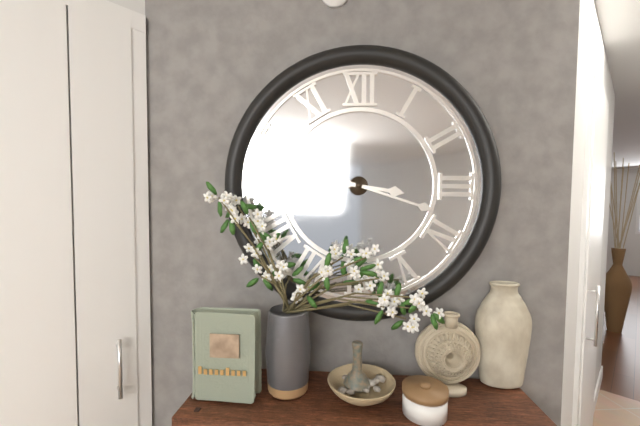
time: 3:18
